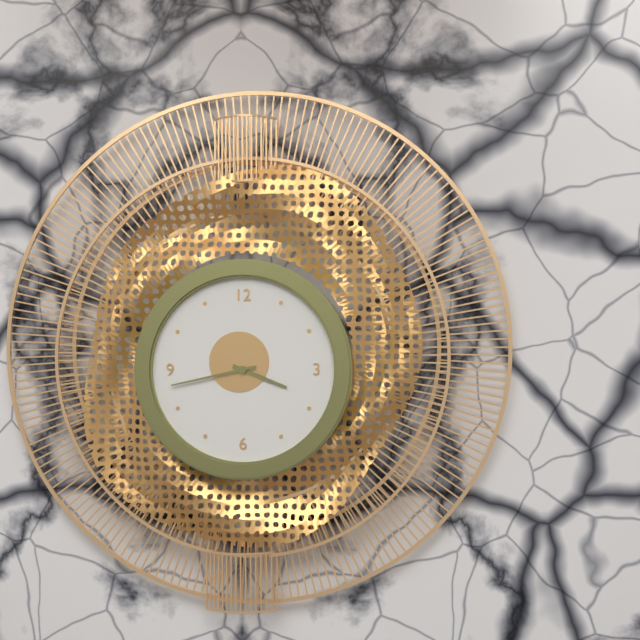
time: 3:43
